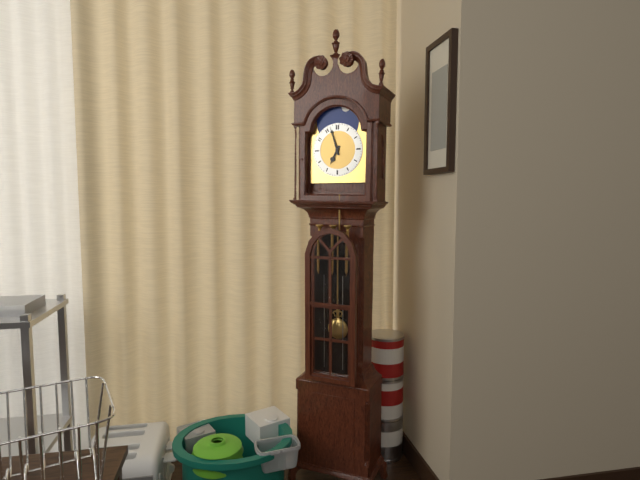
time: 6:57
